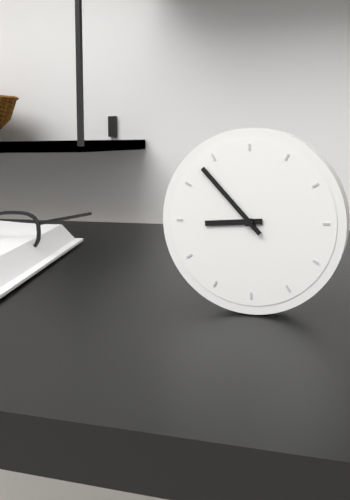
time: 8:53
